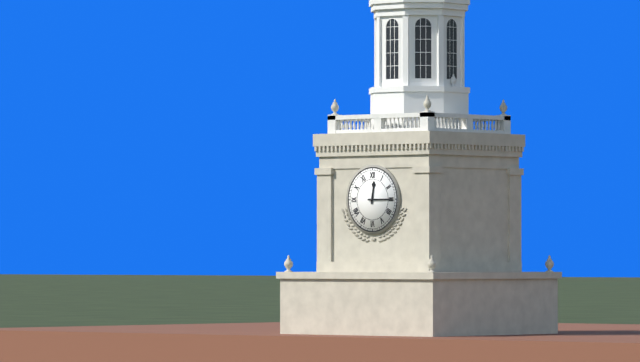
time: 12:15
